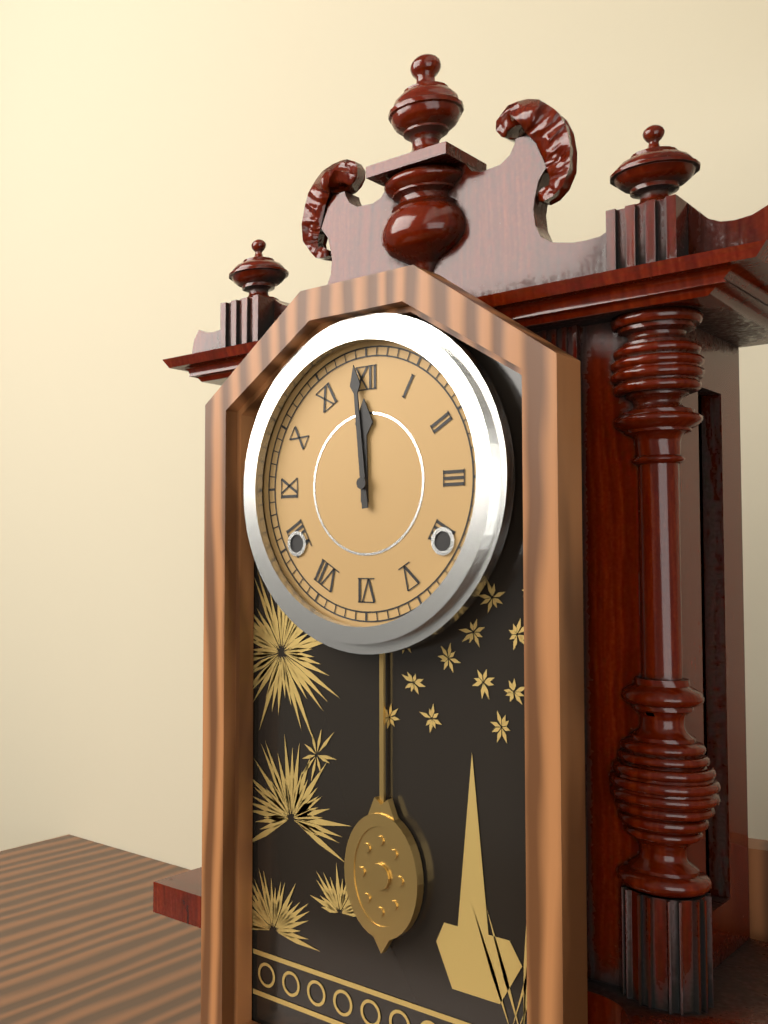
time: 11:59
